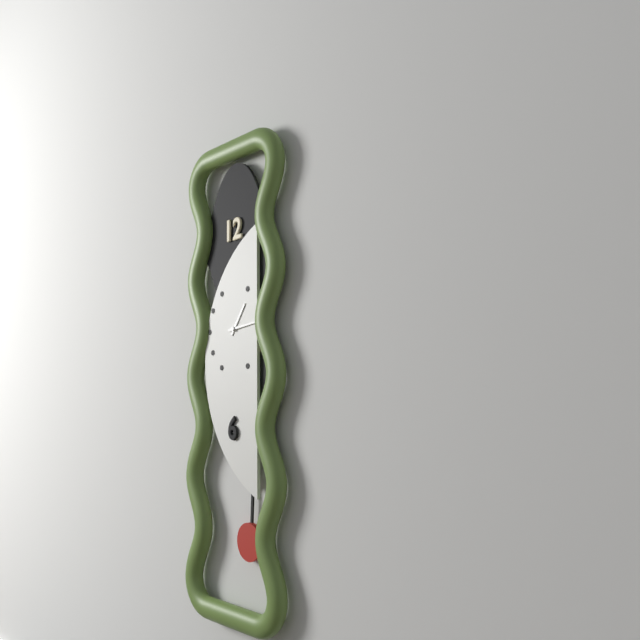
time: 1:14
